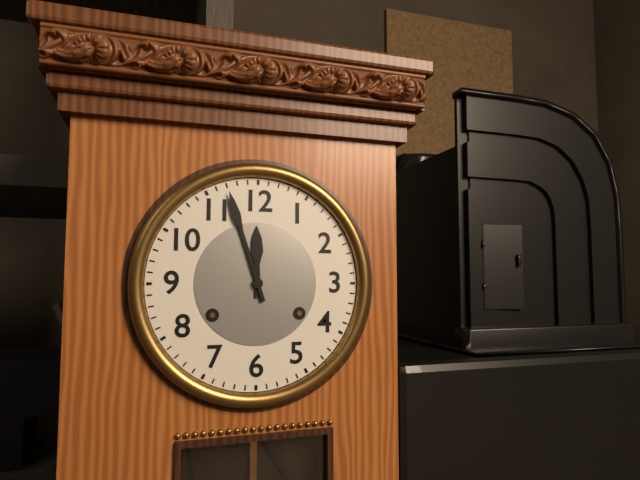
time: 11:57
